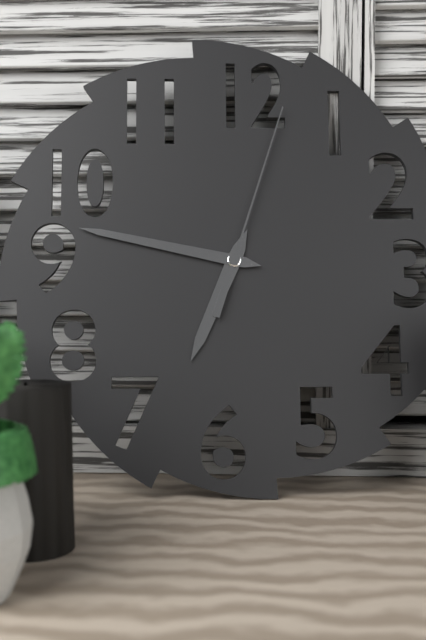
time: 6:47:03
